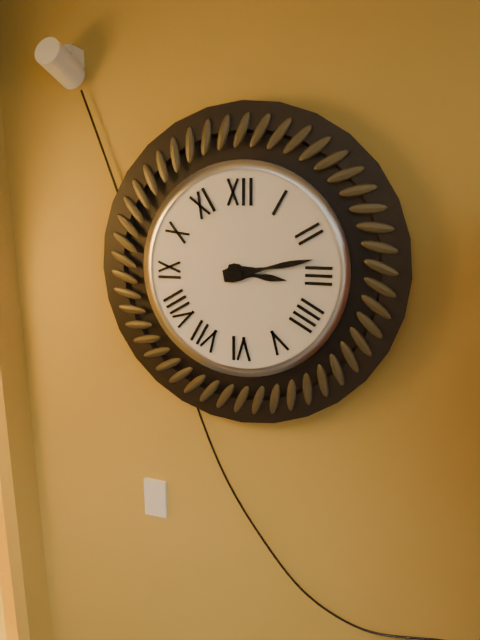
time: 3:13
